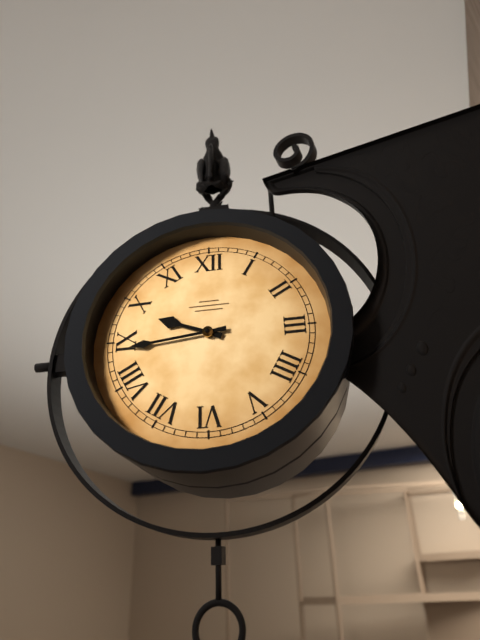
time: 9:44
